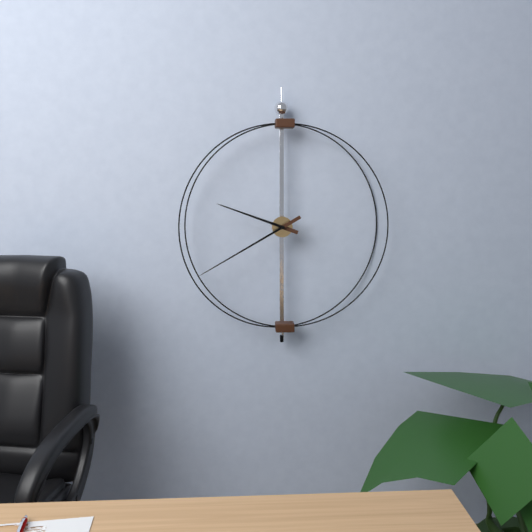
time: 9:40
